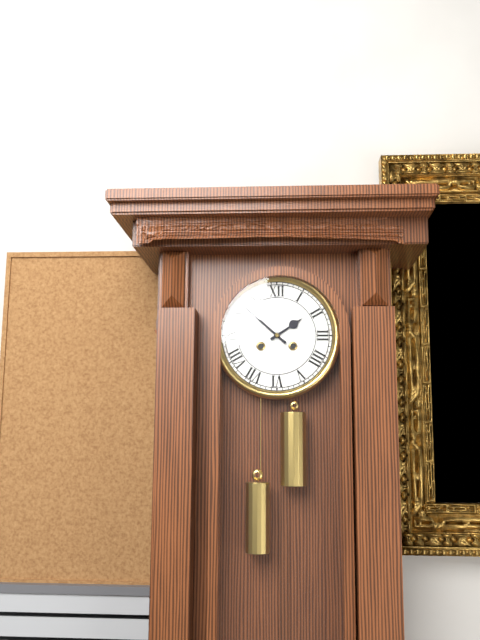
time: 1:52
